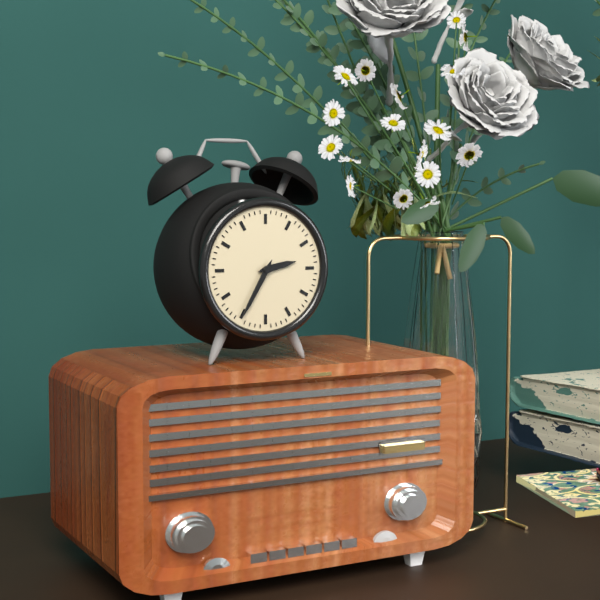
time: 2:35
